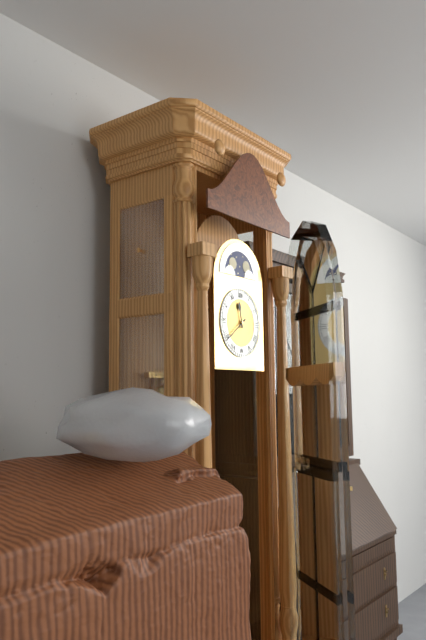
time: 11:39
